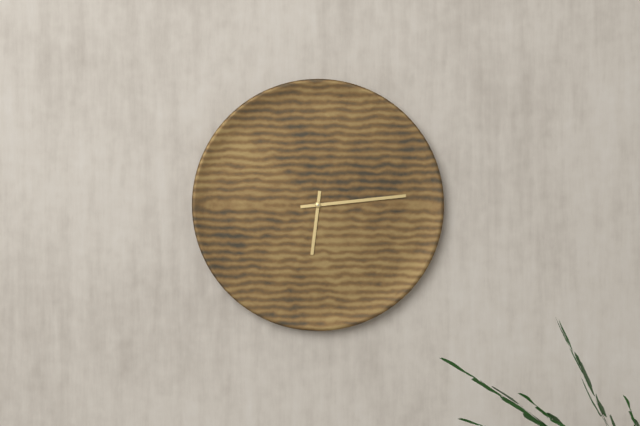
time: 6:14
